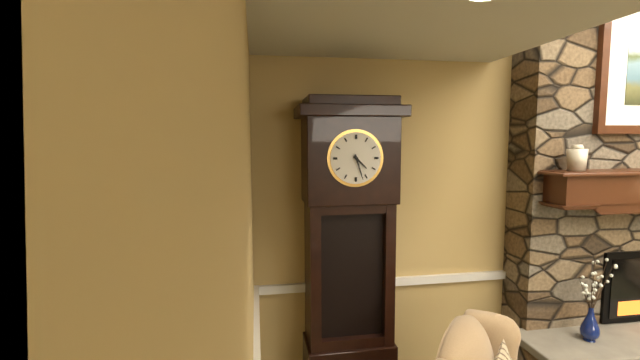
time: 4:27
